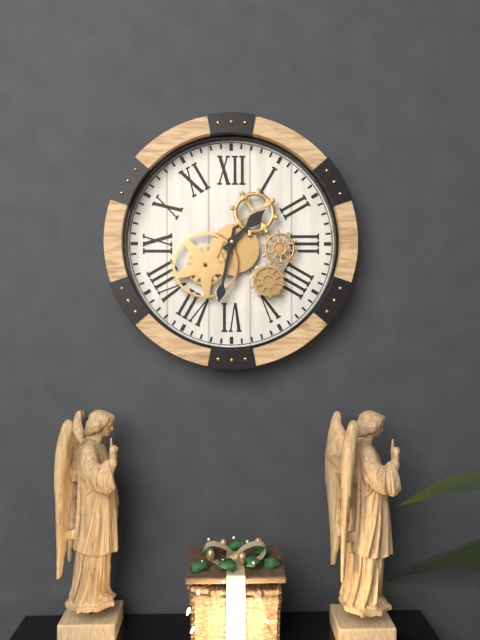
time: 1:32
